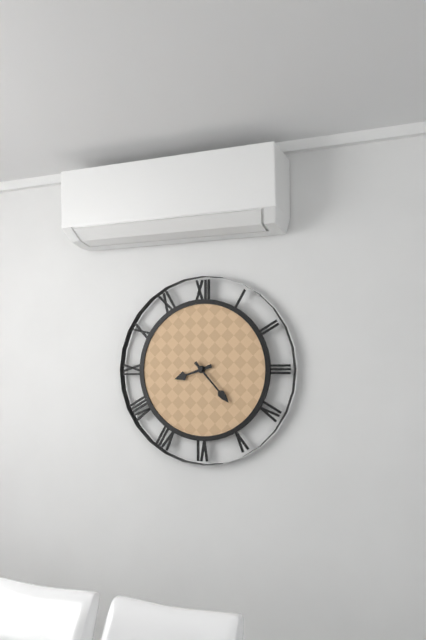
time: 8:23
